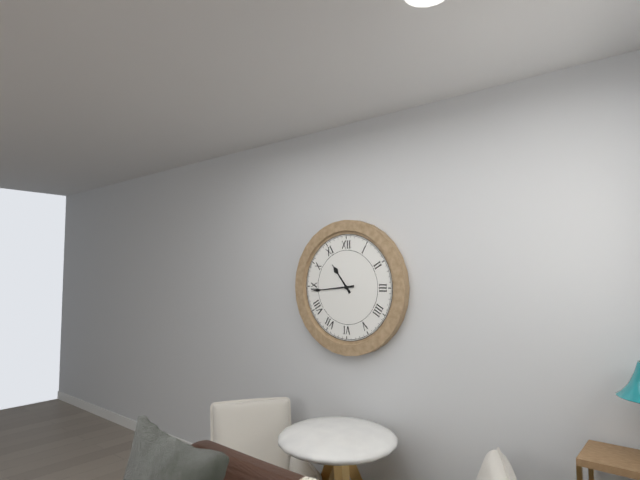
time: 10:44
